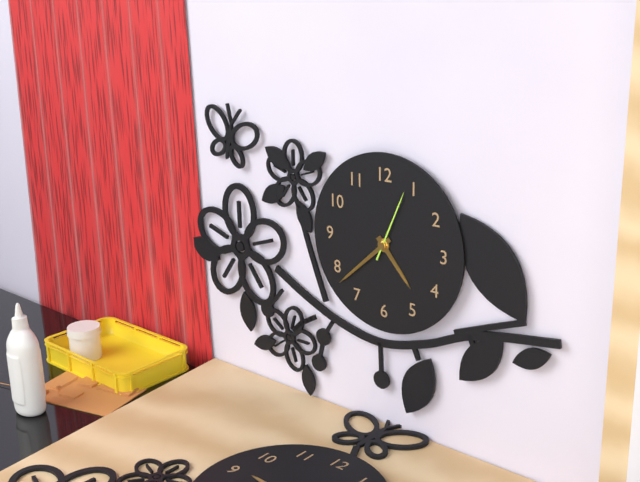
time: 4:38:04
